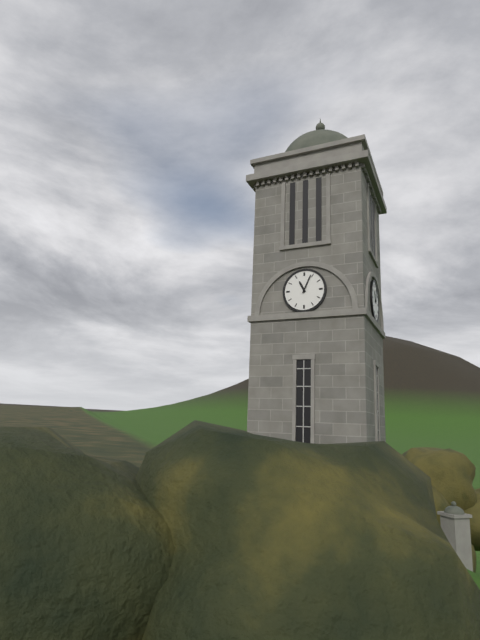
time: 11:04
